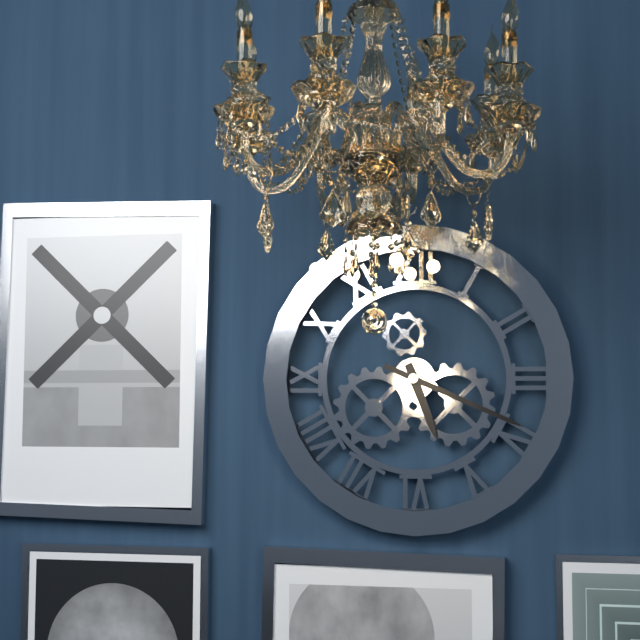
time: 5:19
